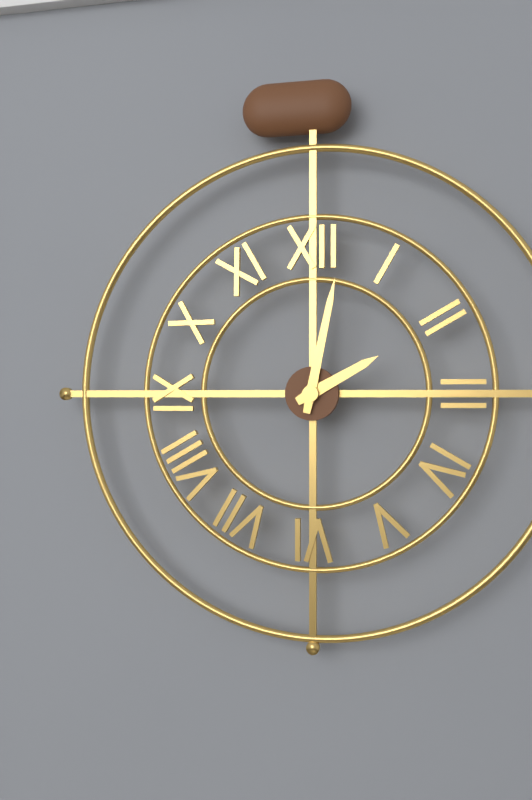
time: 2:02
